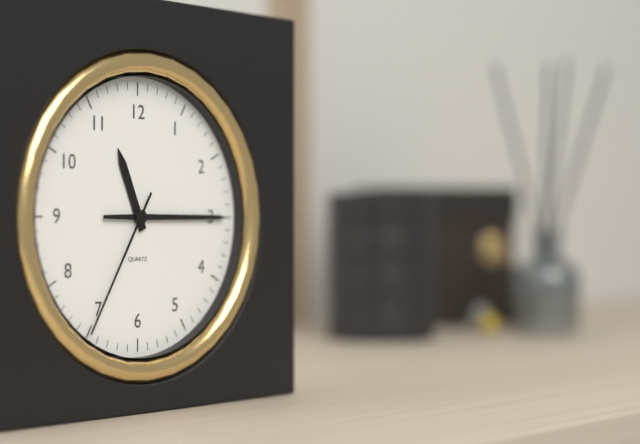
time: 11:15:35
